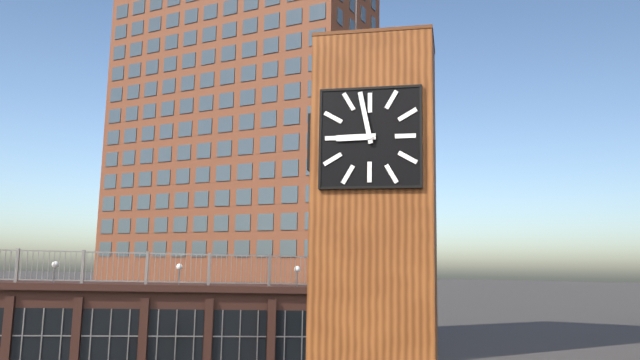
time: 8:58
